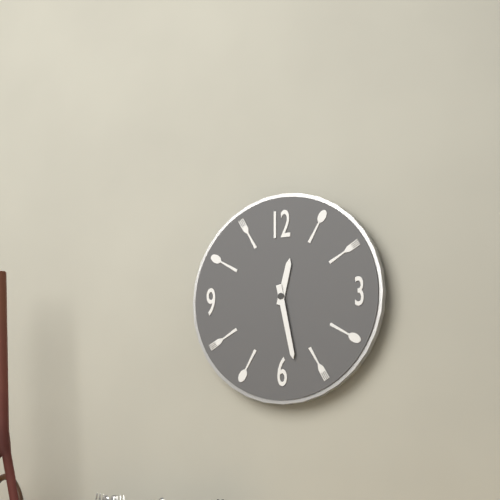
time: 12:28
